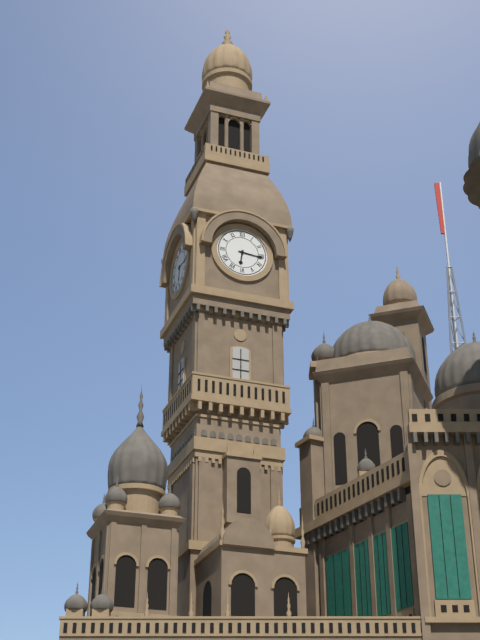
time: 6:16
